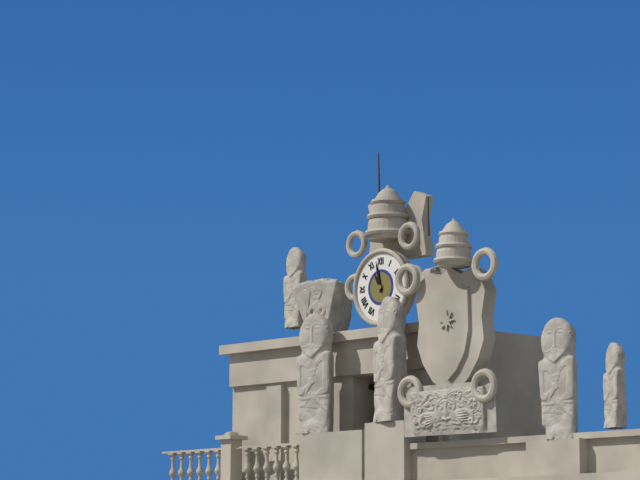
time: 10:58
